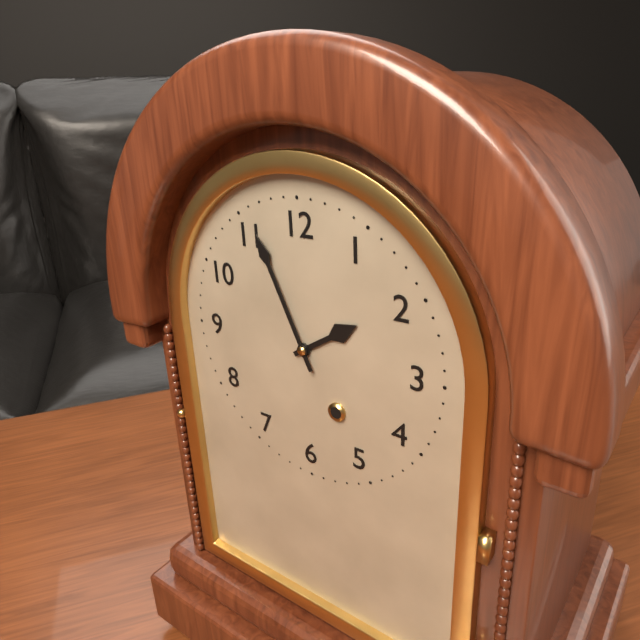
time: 1:56
